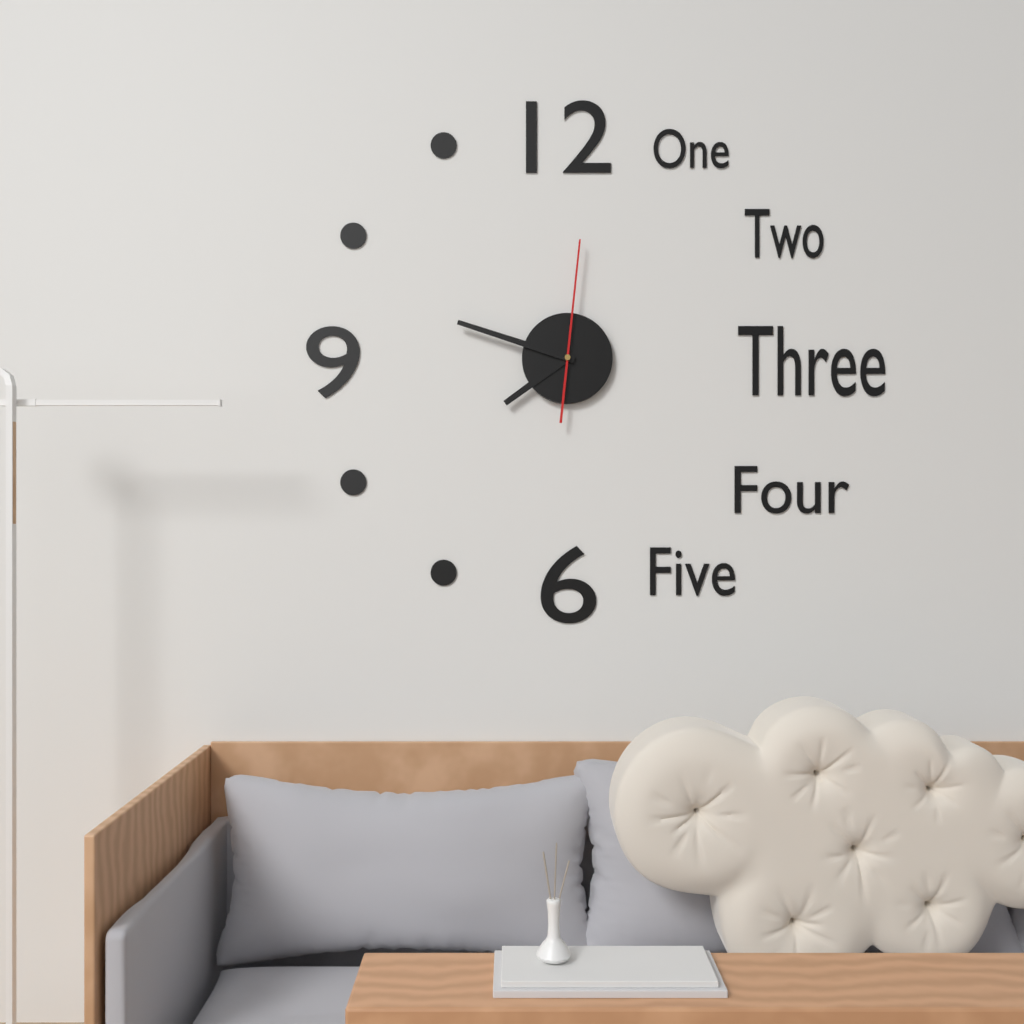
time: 7:48:01
